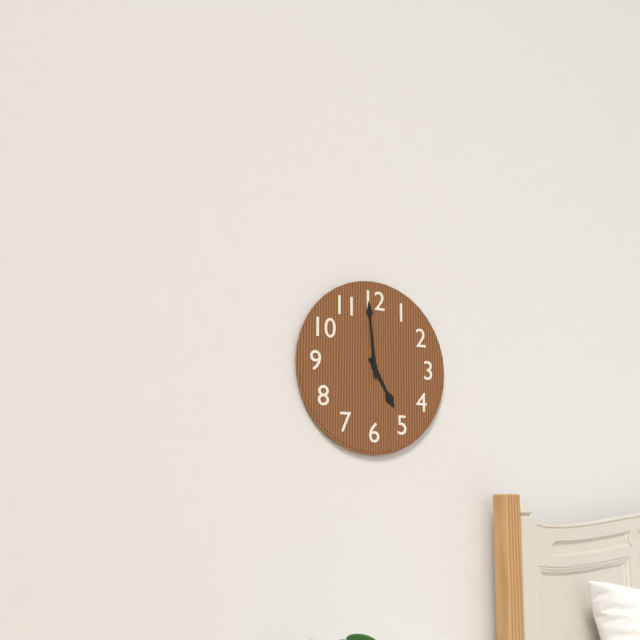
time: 4:59
